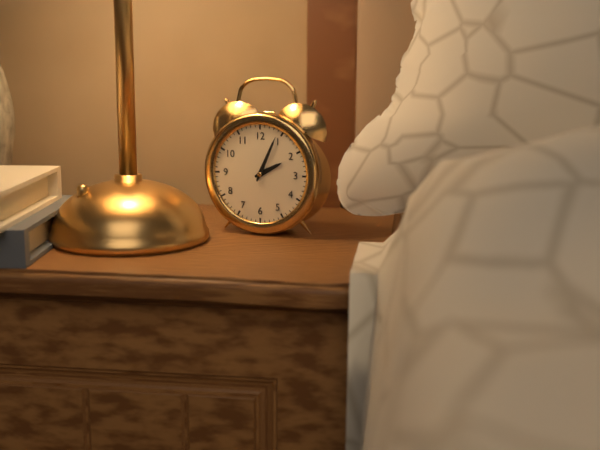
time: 2:04
